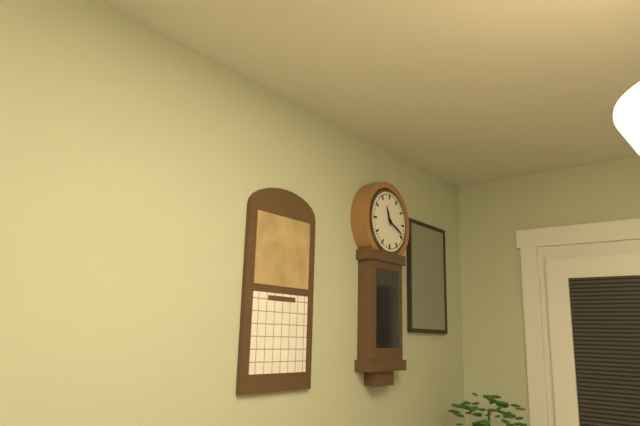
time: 11:19
